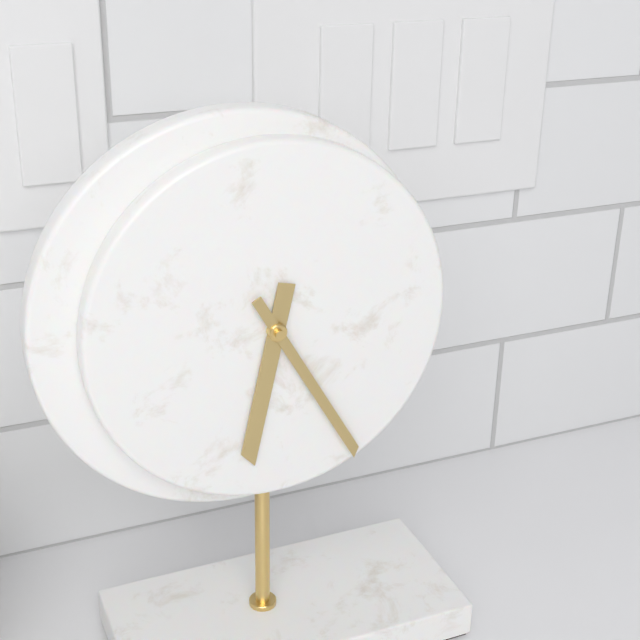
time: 6:25
